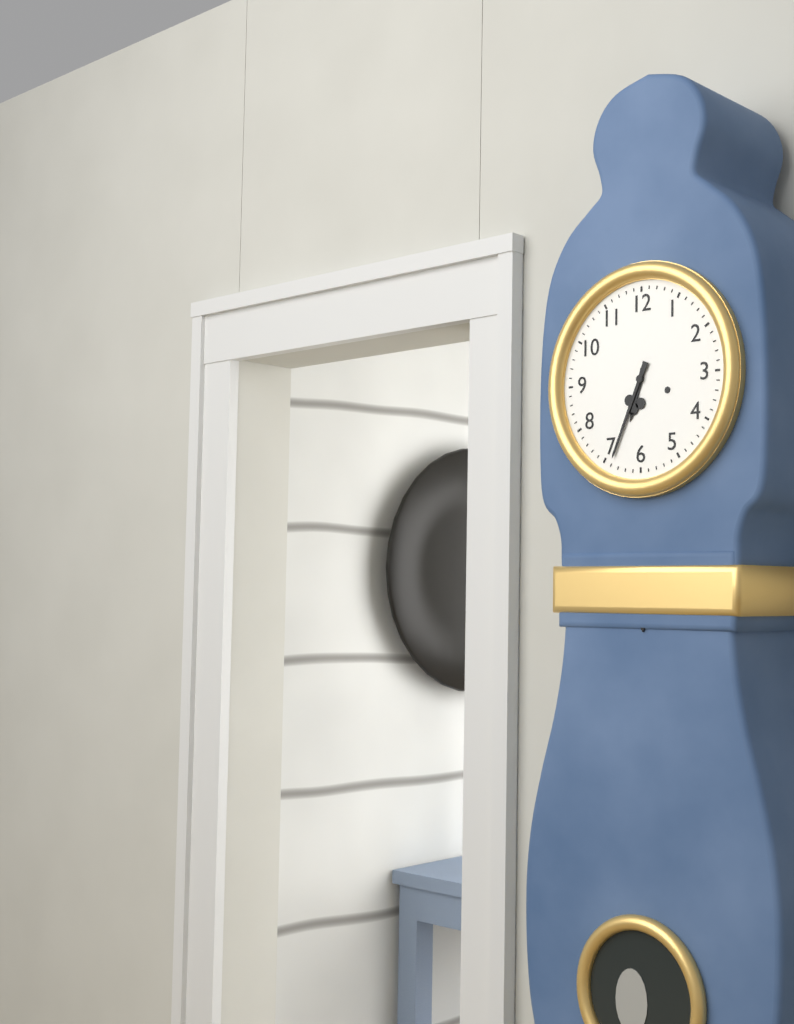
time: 6:34
